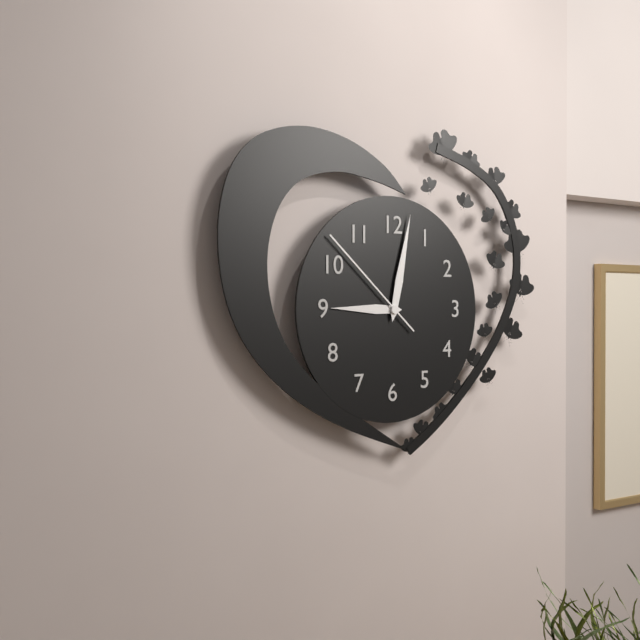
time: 9:02:52
